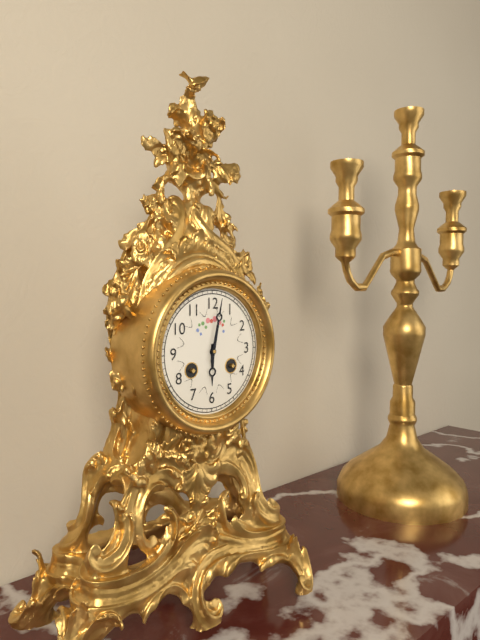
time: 6:02
